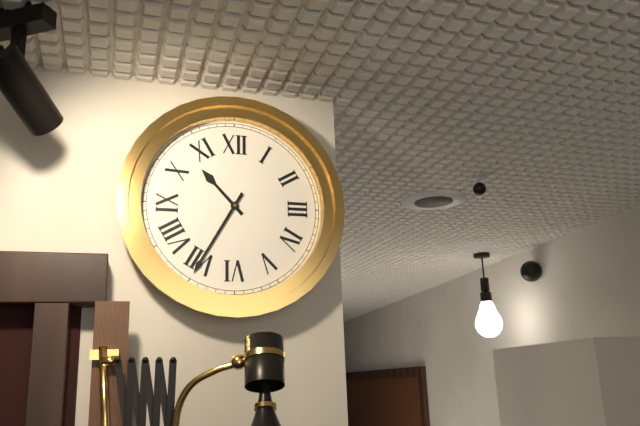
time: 10:35
